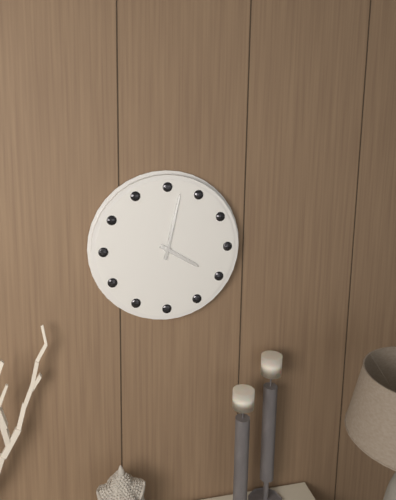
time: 4:02
